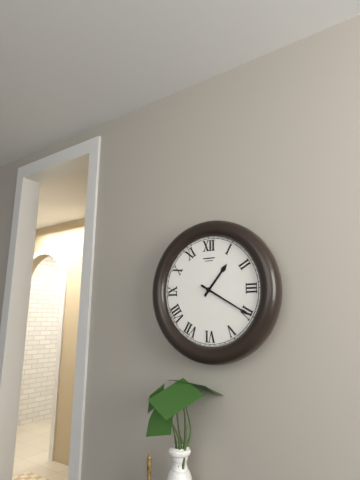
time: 1:20
